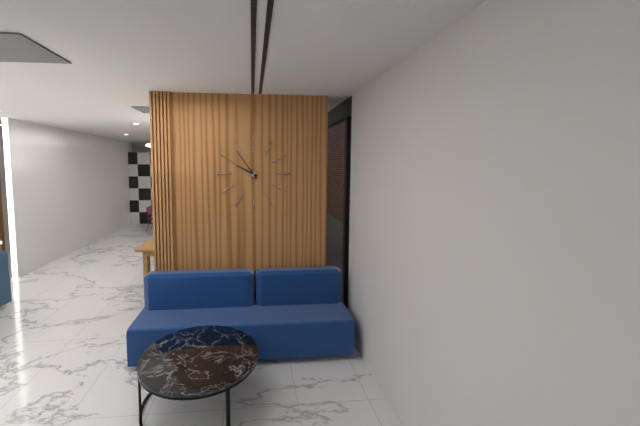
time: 9:54
